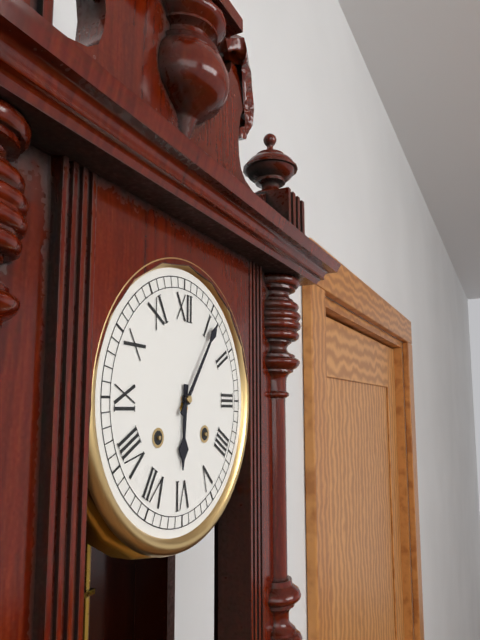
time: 6:06
